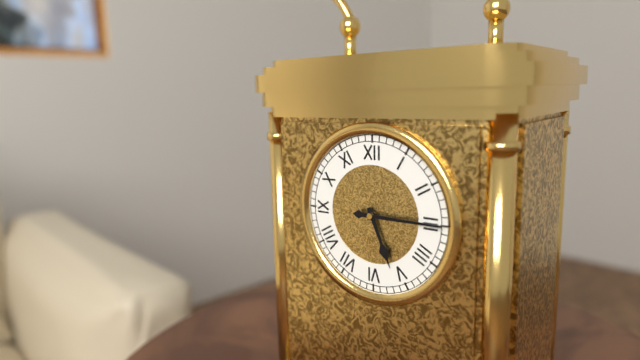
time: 5:15
